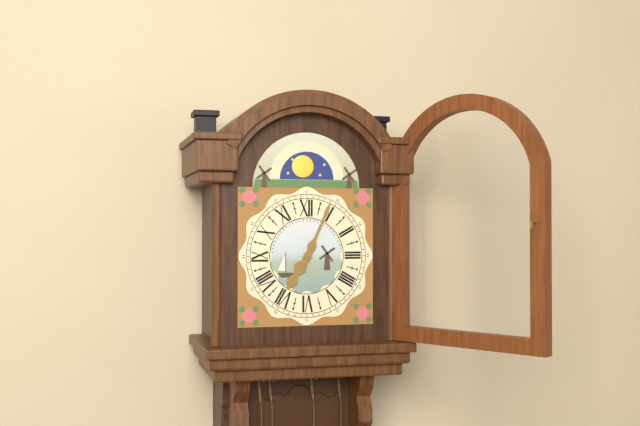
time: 7:04
